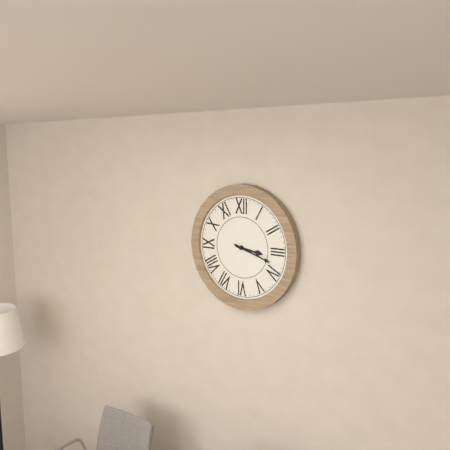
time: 3:18
